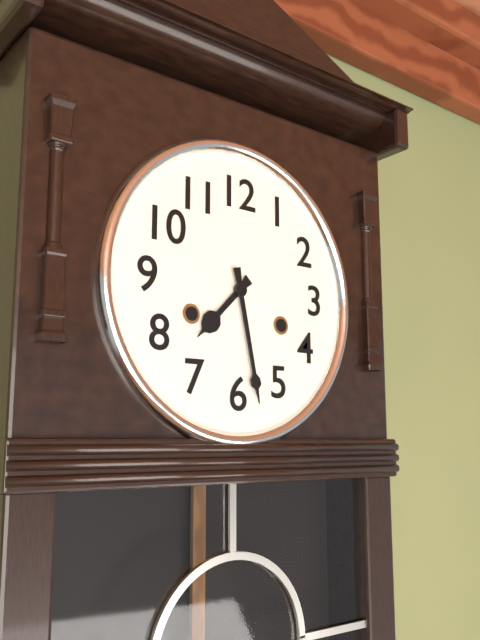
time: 7:28
